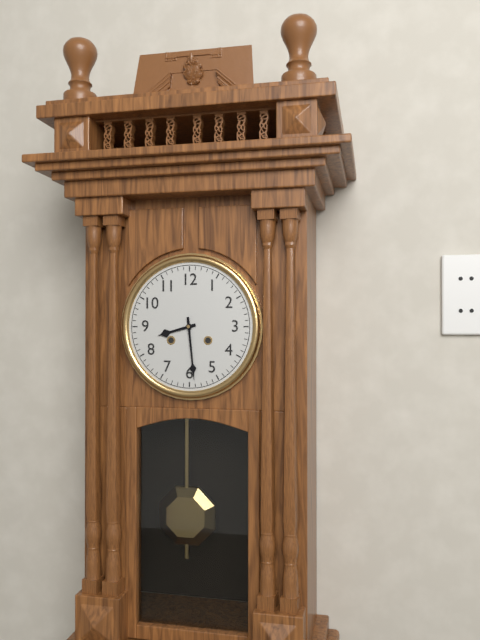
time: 8:29
